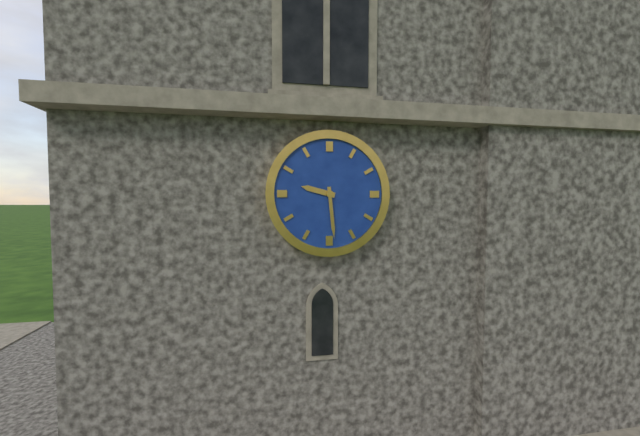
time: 9:29
